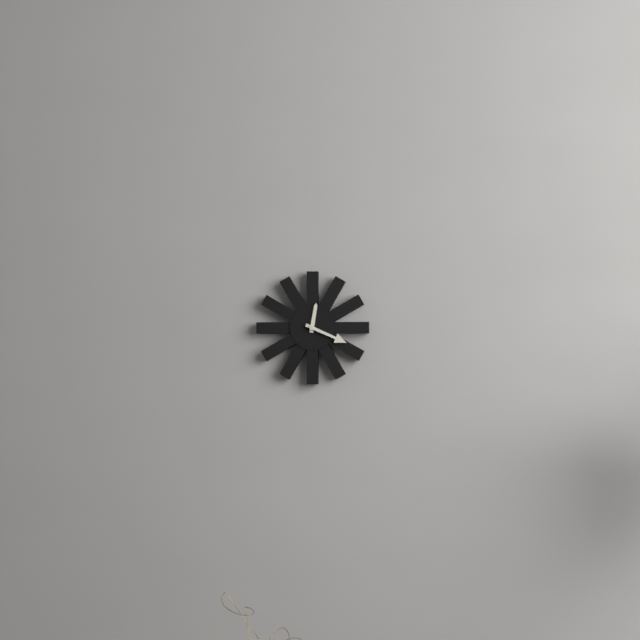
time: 12:19
